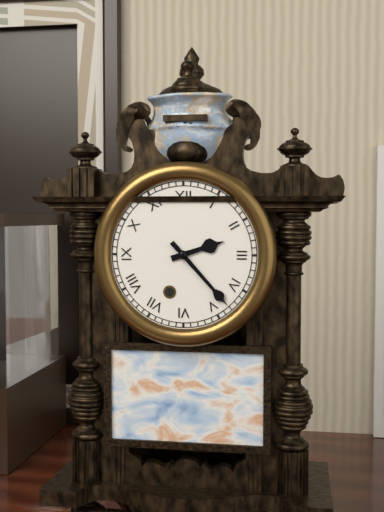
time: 2:23
